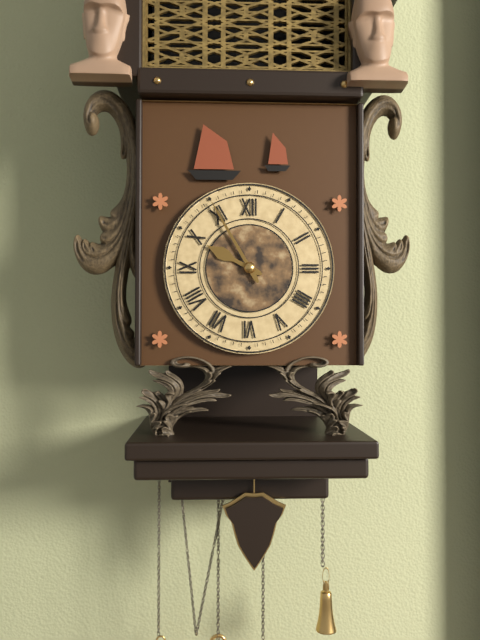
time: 9:55
